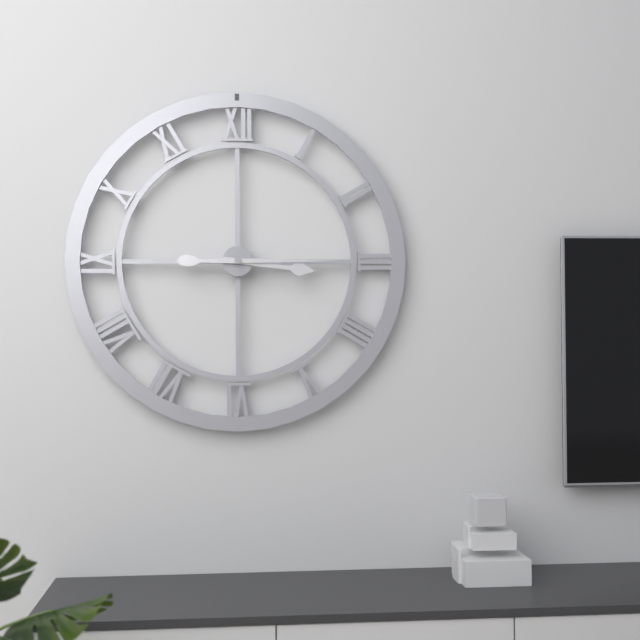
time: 3:15
